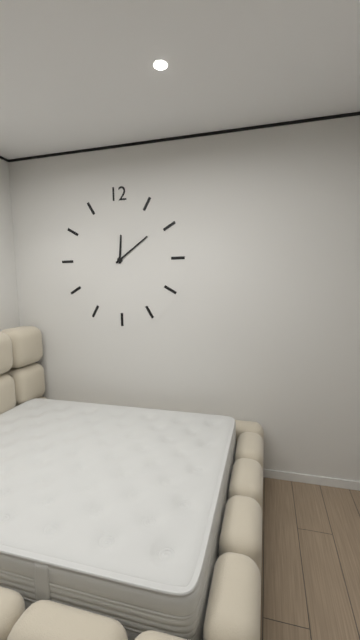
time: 12:09
